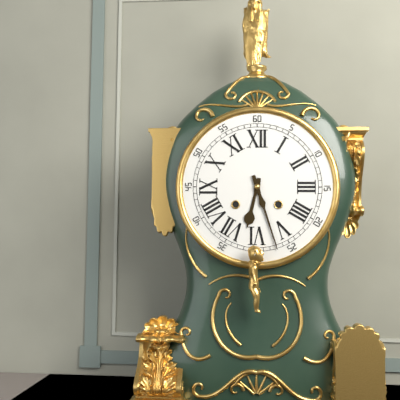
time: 6:27
